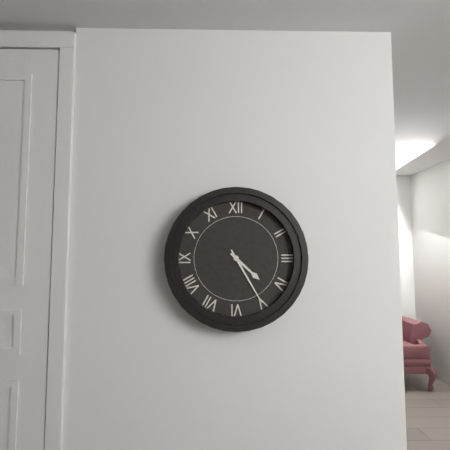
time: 4:25
